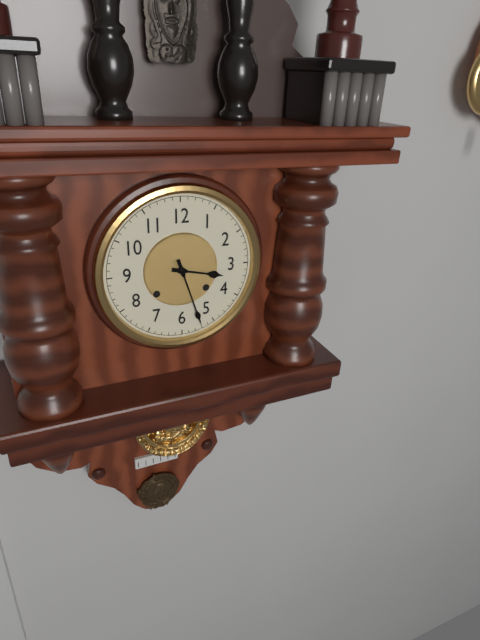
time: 3:27
